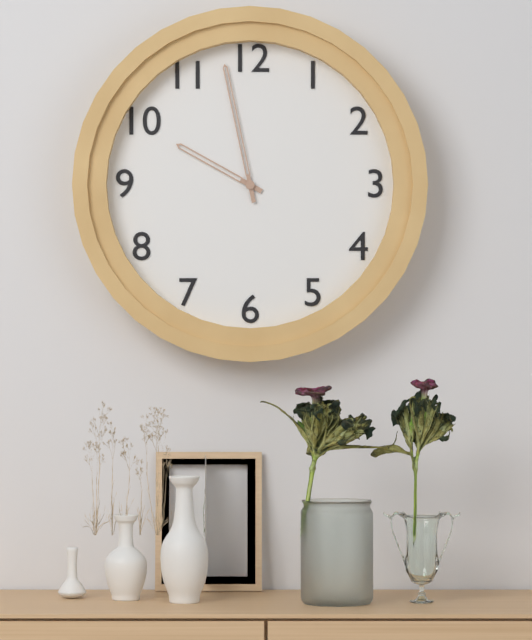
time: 9:58
